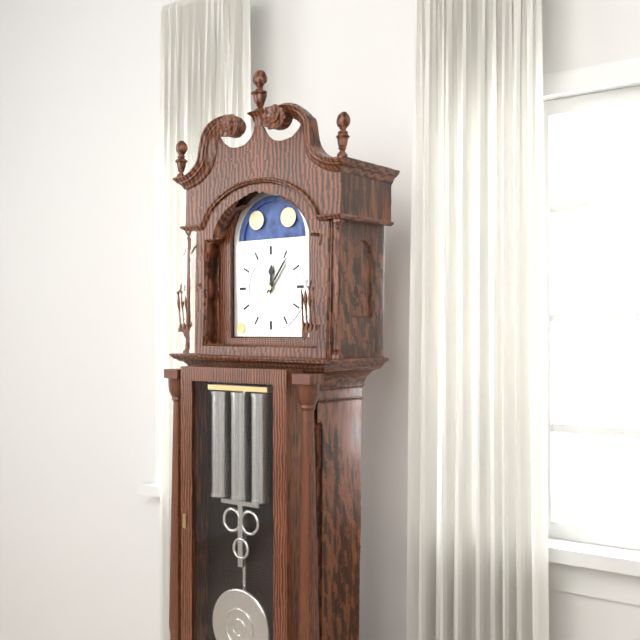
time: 12:06
